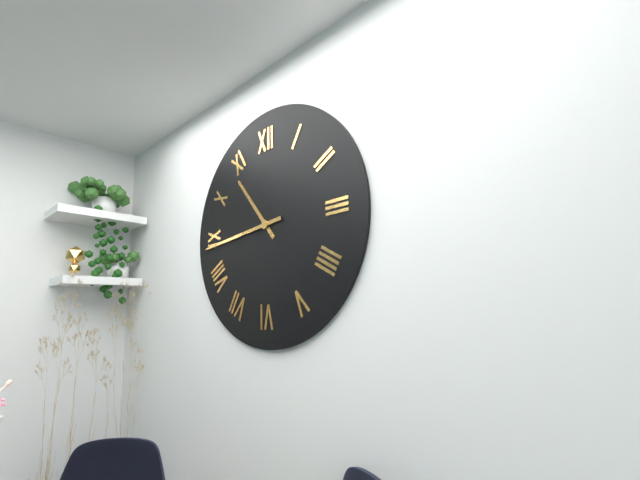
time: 10:44
